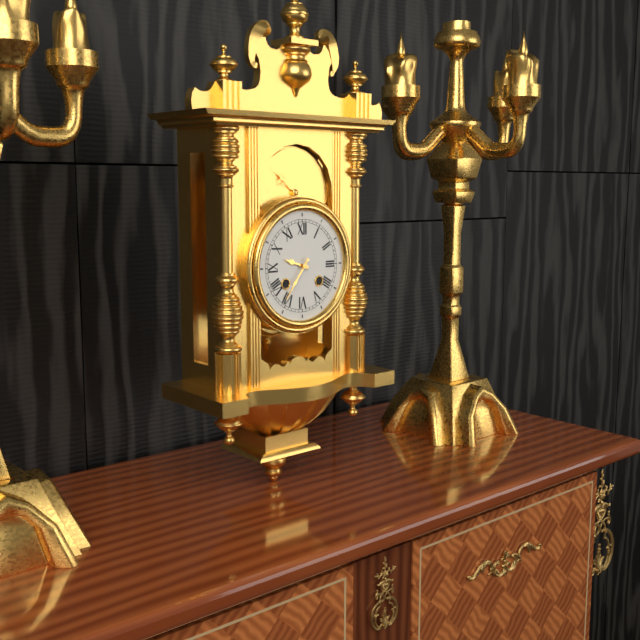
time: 9:36
